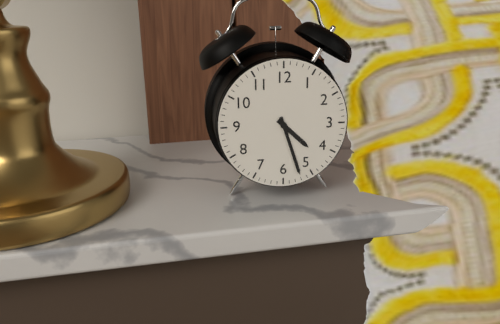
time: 4:27
